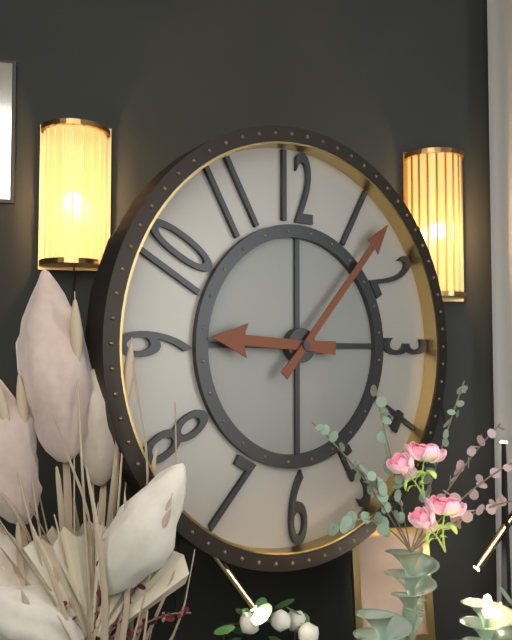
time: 9:07
